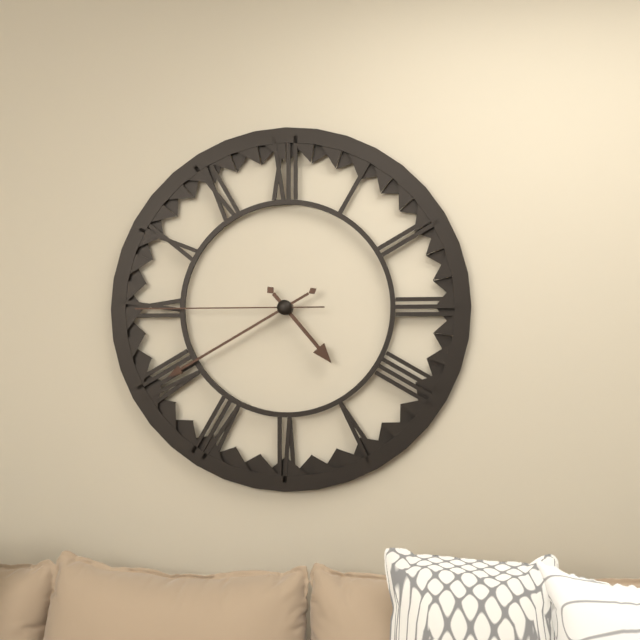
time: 4:40:45
